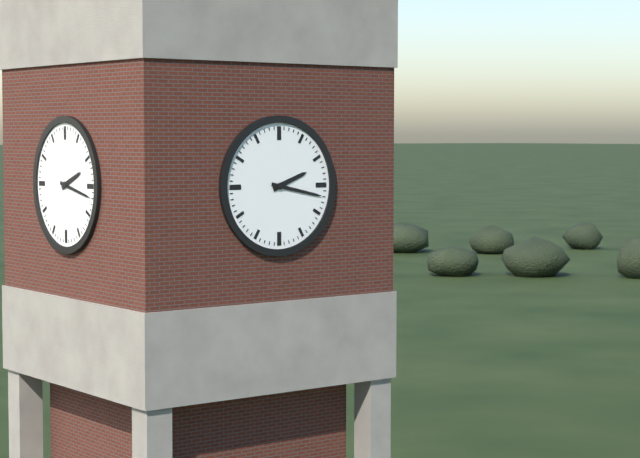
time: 2:17
